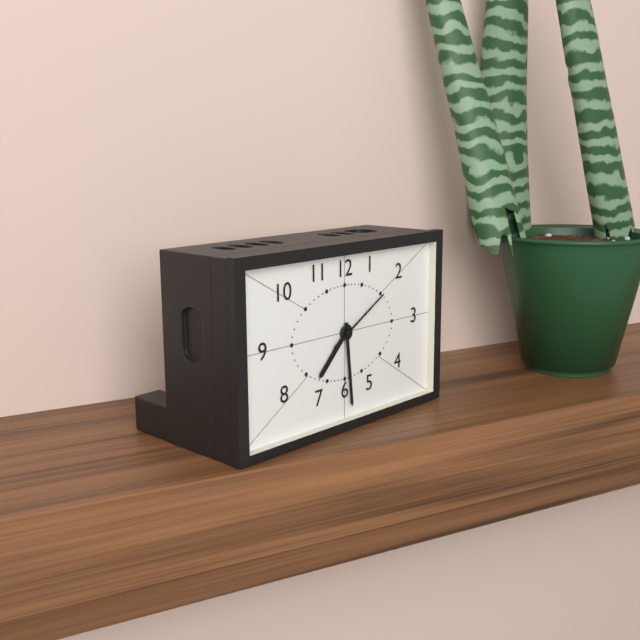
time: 7:29:10
